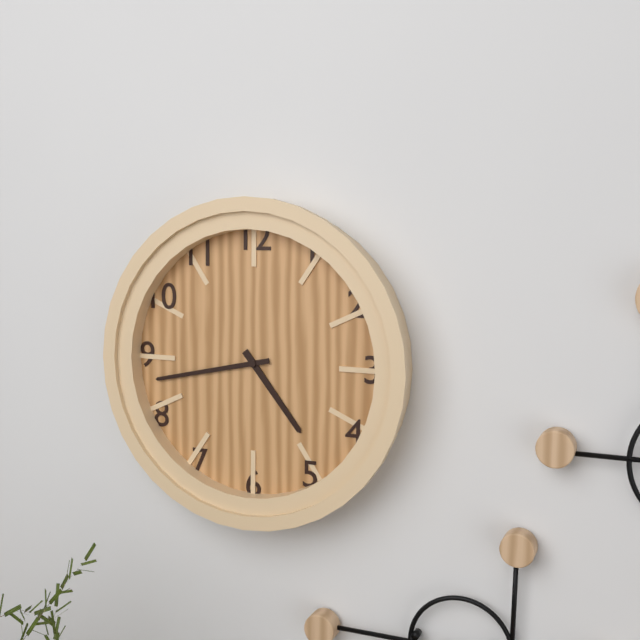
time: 4:43
